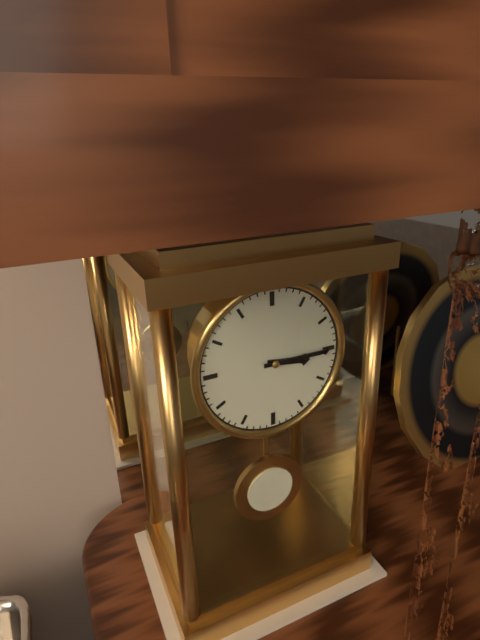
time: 3:15
